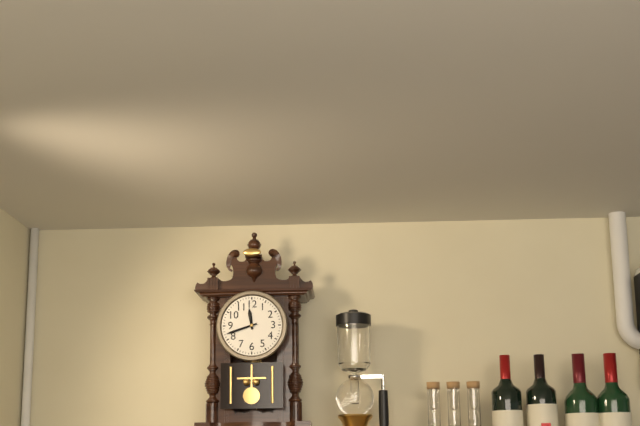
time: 11:42
